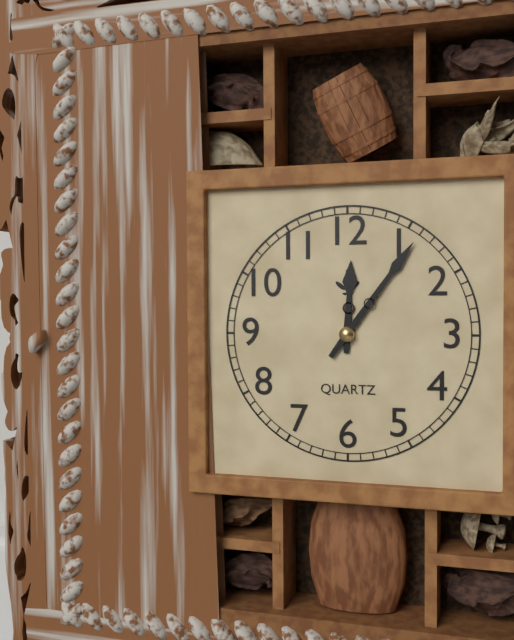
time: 12:06
